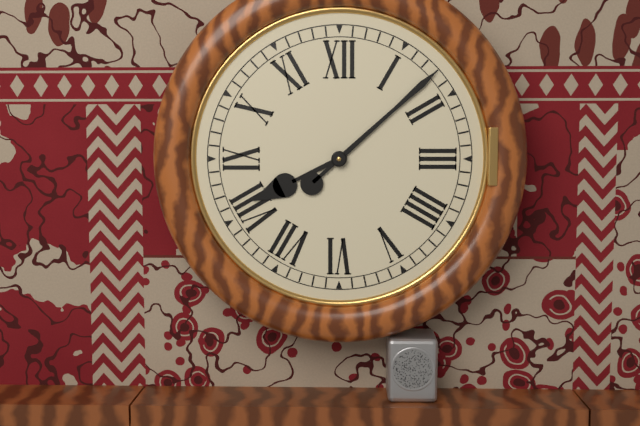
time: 8:08
